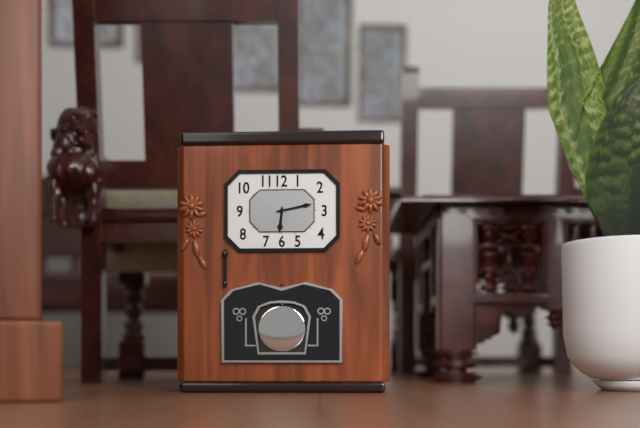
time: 6:13
